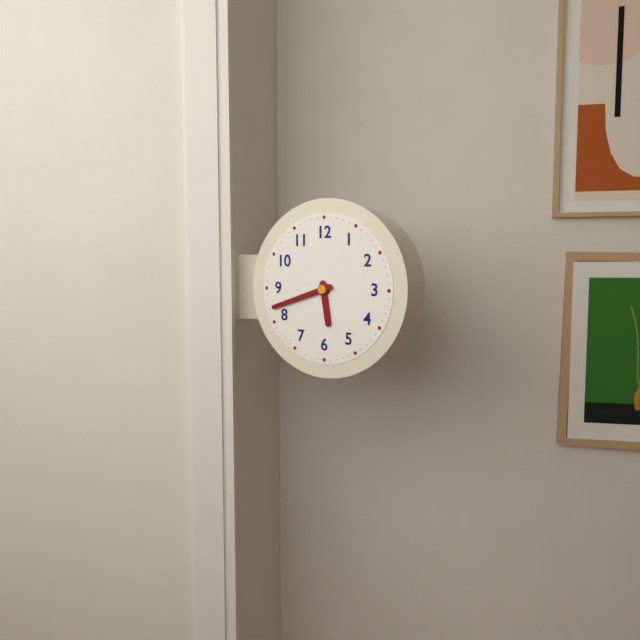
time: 5:42
